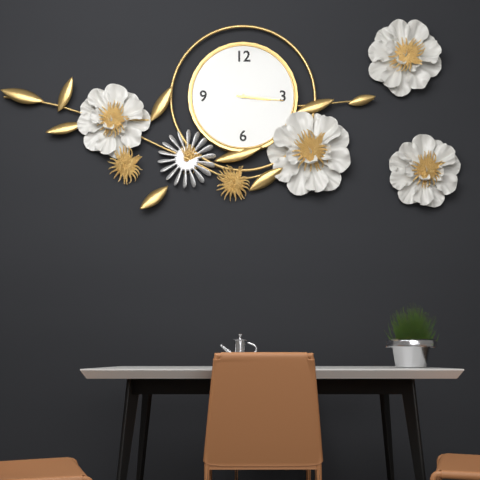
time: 3:16
